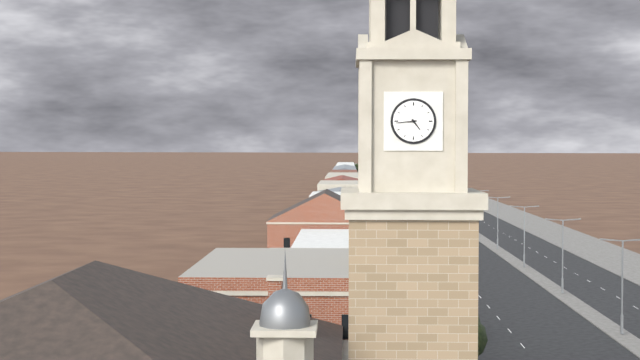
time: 4:44
